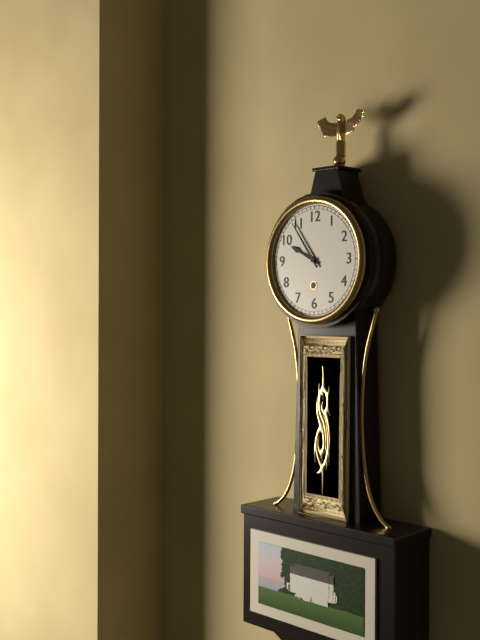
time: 9:54
